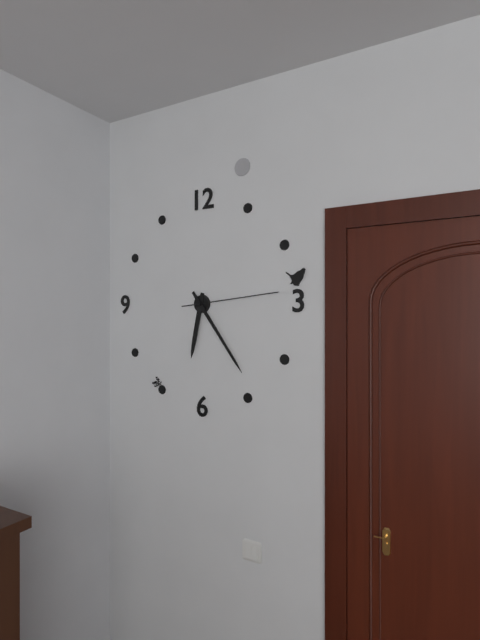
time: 6:24:14
